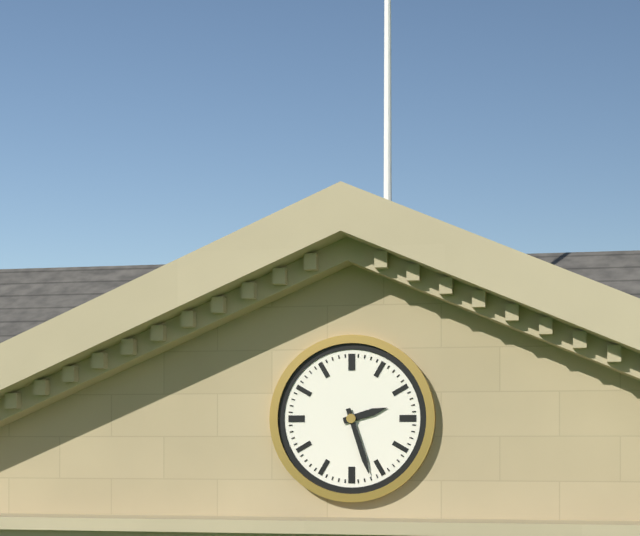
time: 2:27
